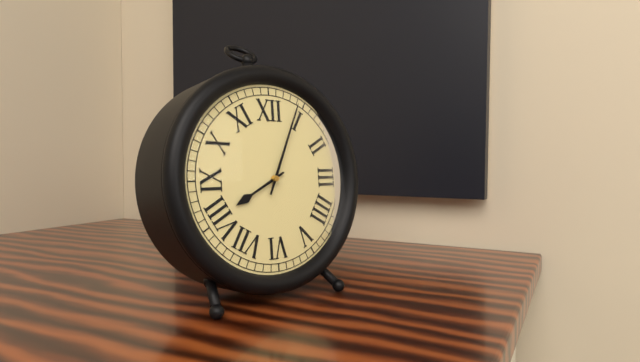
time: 8:04
